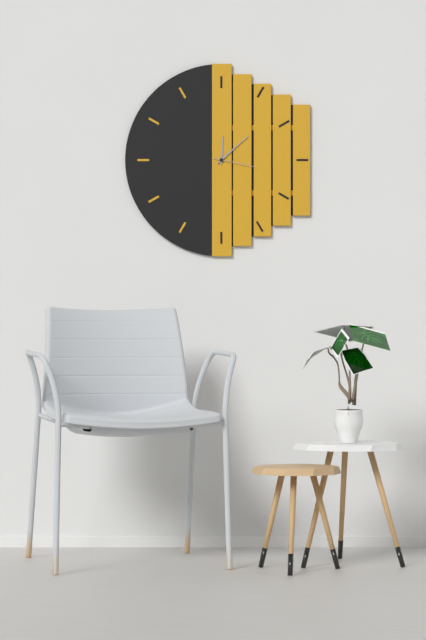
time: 12:08
